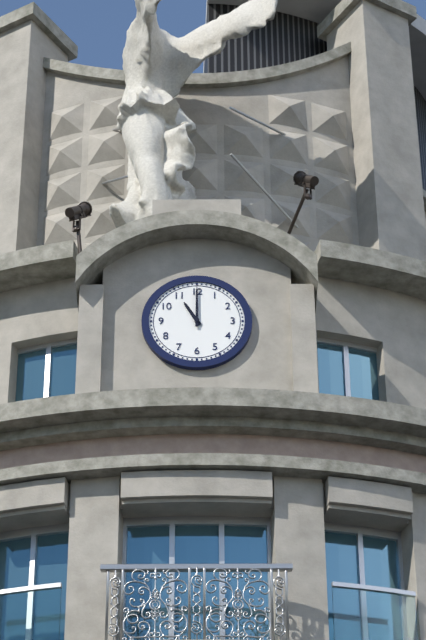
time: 11:00
